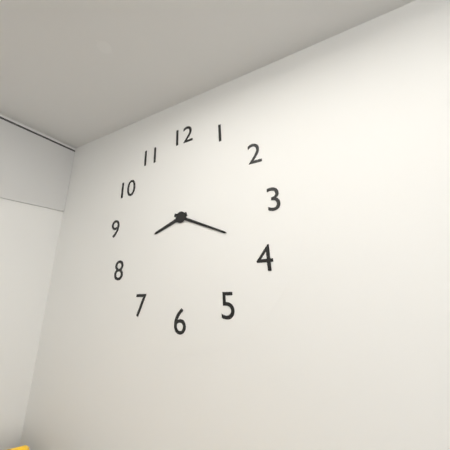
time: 8:19
